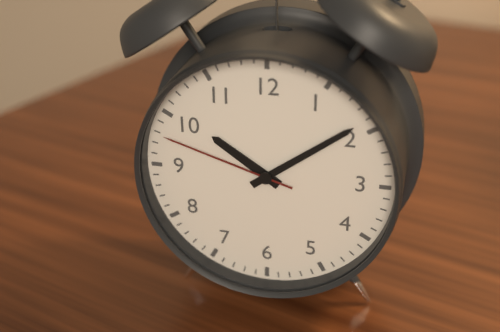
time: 10:09:48
